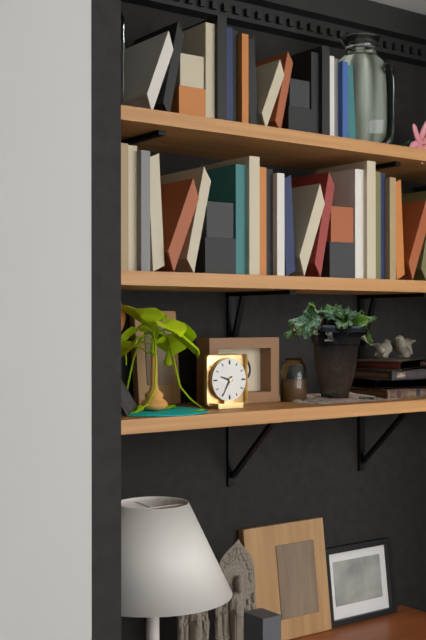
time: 9:35
